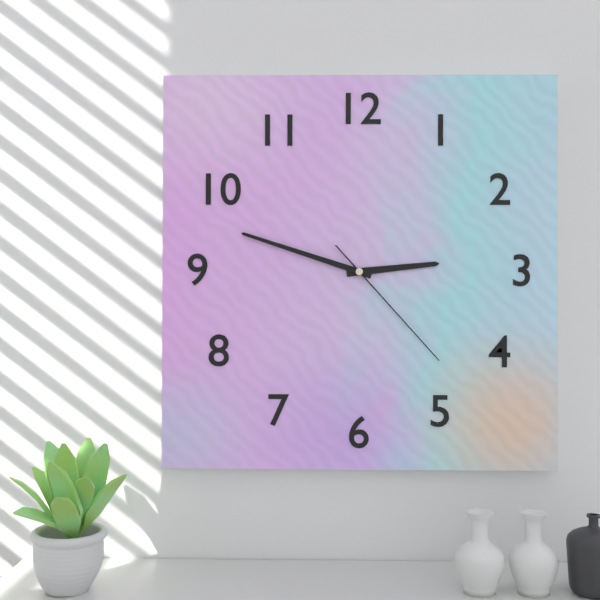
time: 2:48:23
